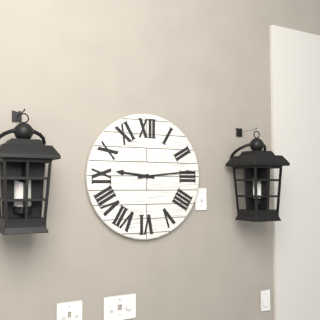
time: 9:14
